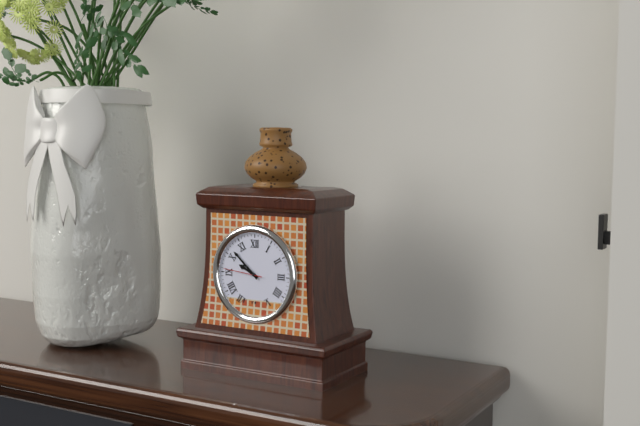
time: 9:52
